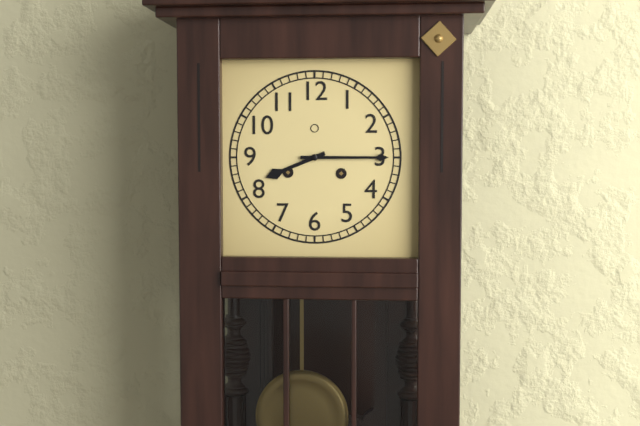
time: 8:15
